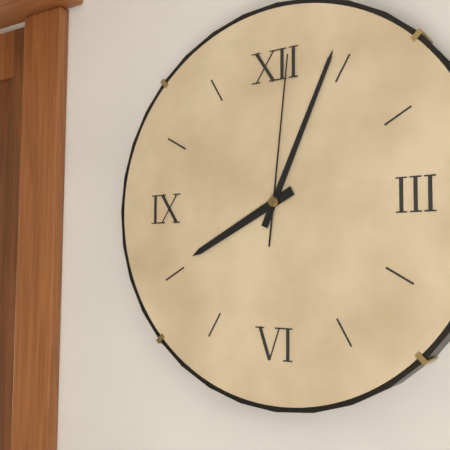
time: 8:04:01
